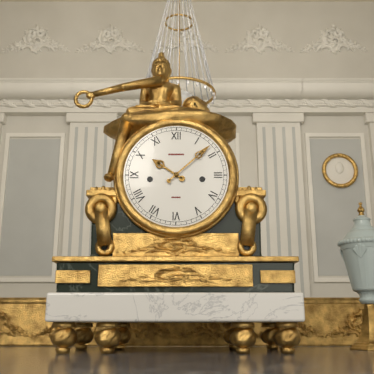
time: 10:08
